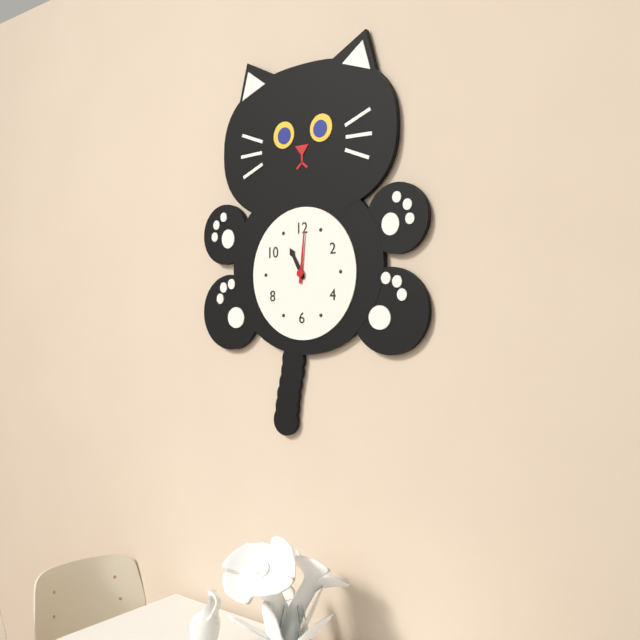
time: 11:01
